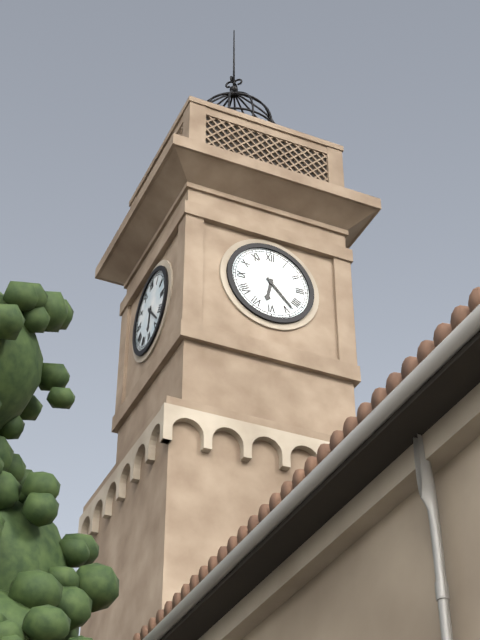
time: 6:23
